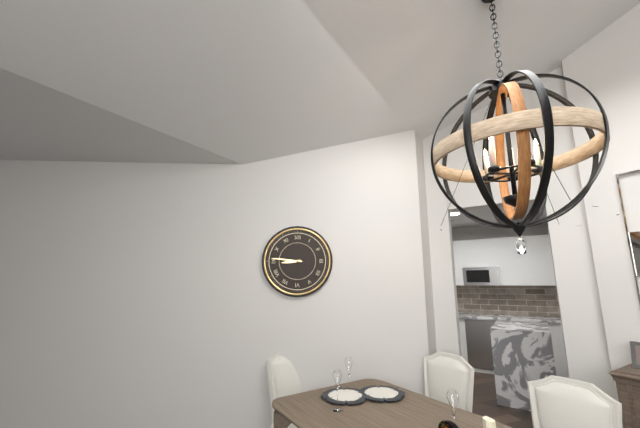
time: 8:46
